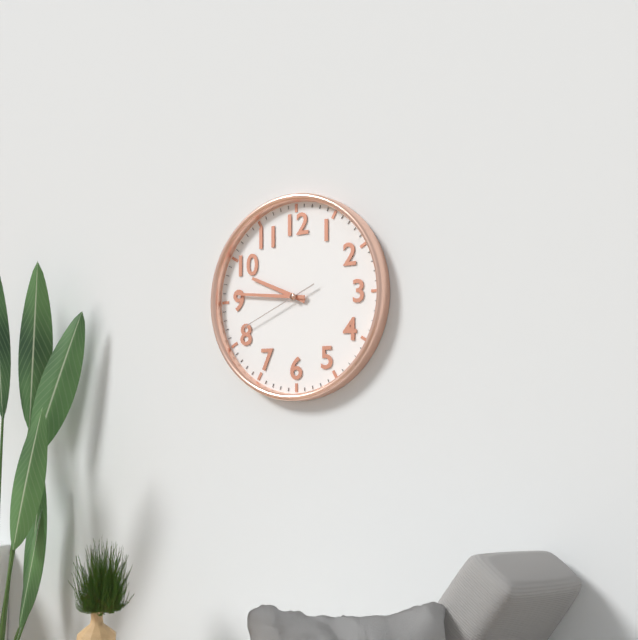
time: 9:46:41
